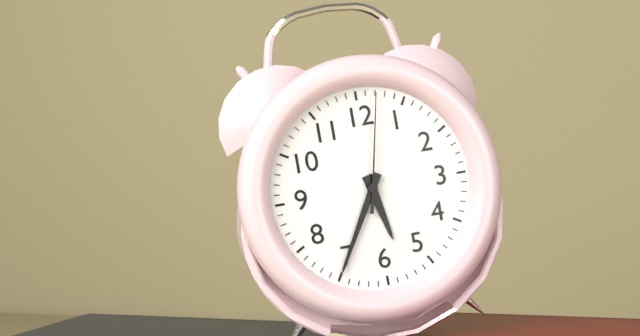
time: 5:35:02
